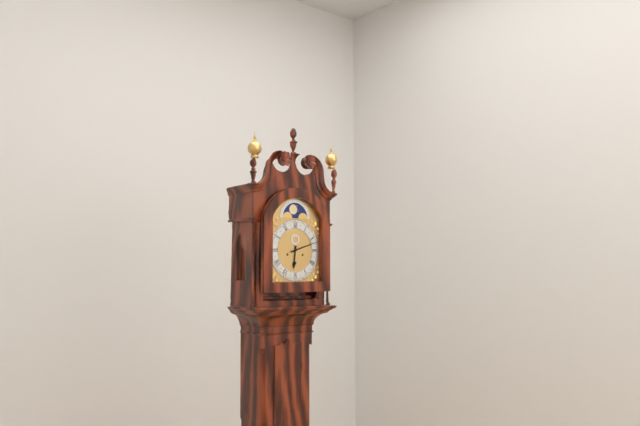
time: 6:12
